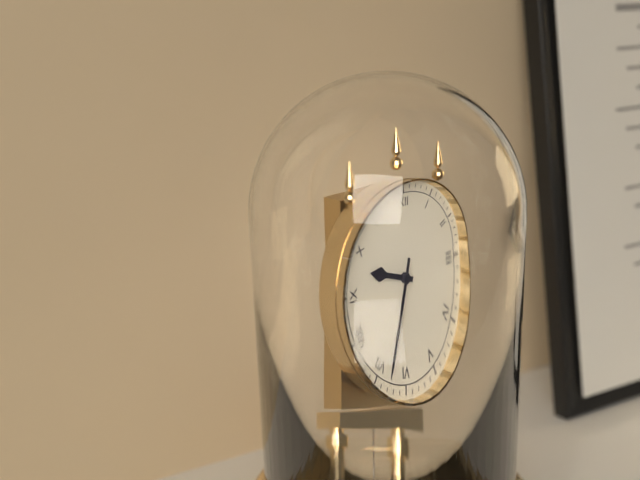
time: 9:33
